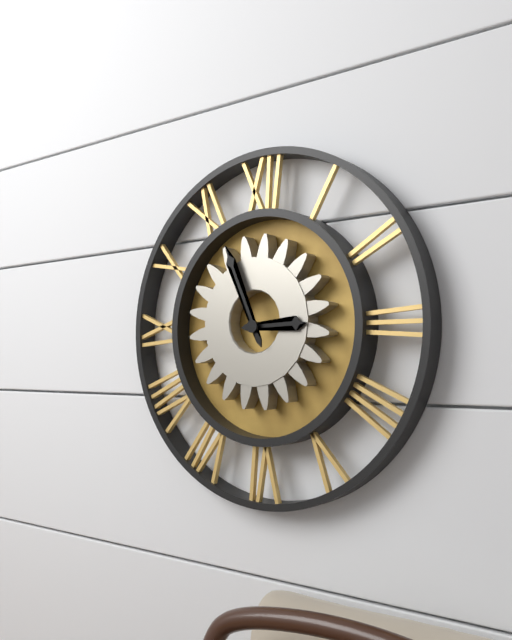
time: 2:56
